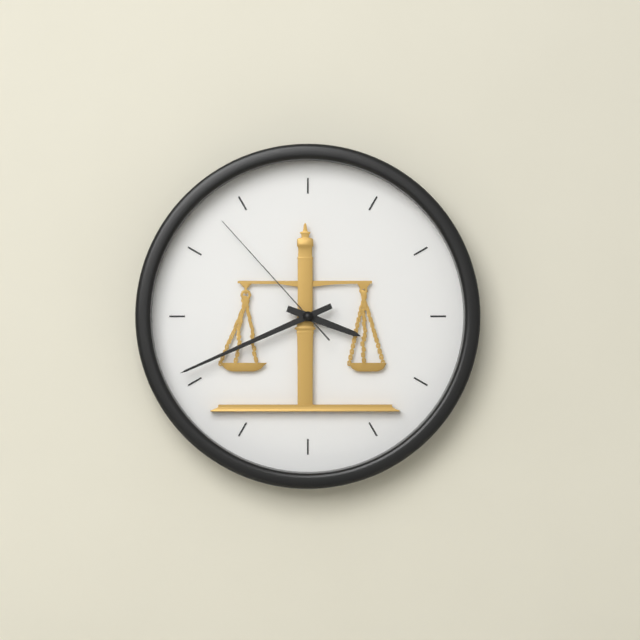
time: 3:41:53
